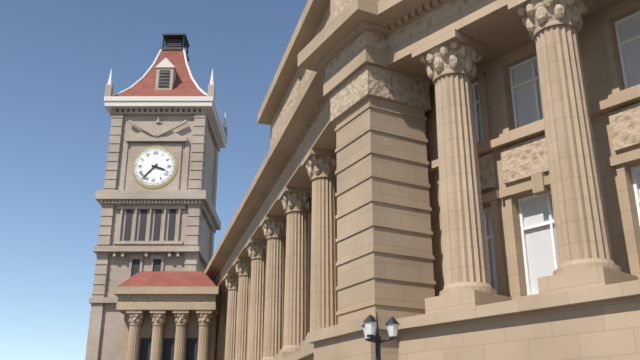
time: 3:37
